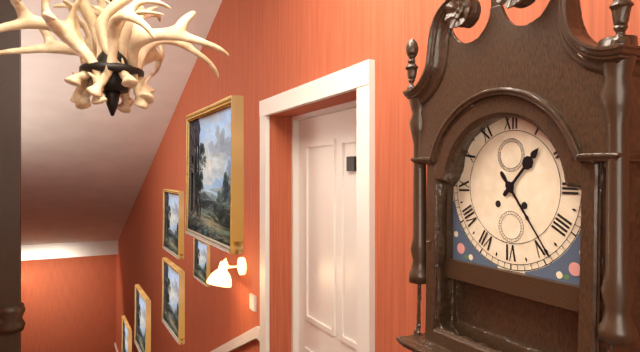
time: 1:24
